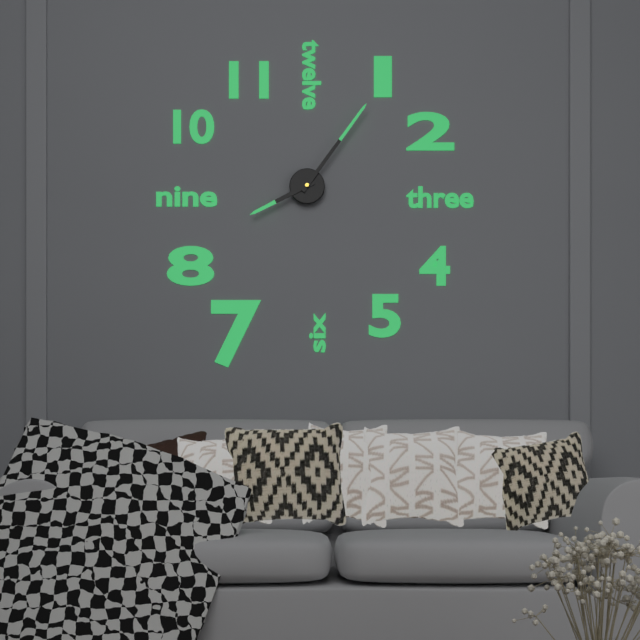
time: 8:06
